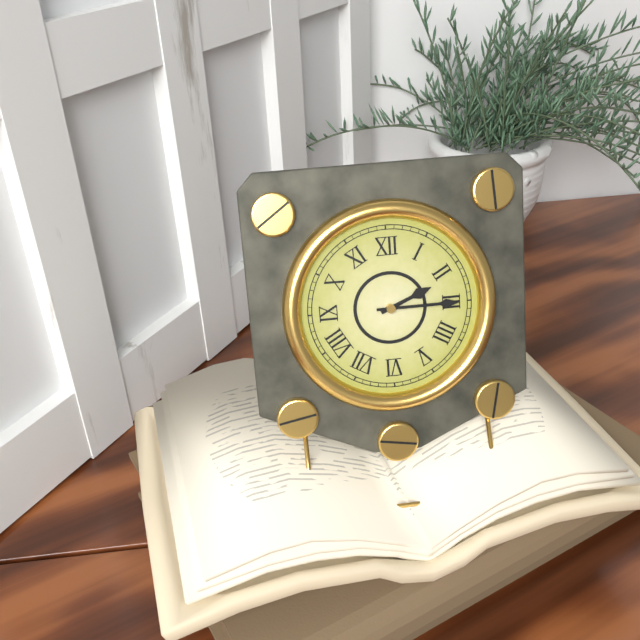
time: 2:15
